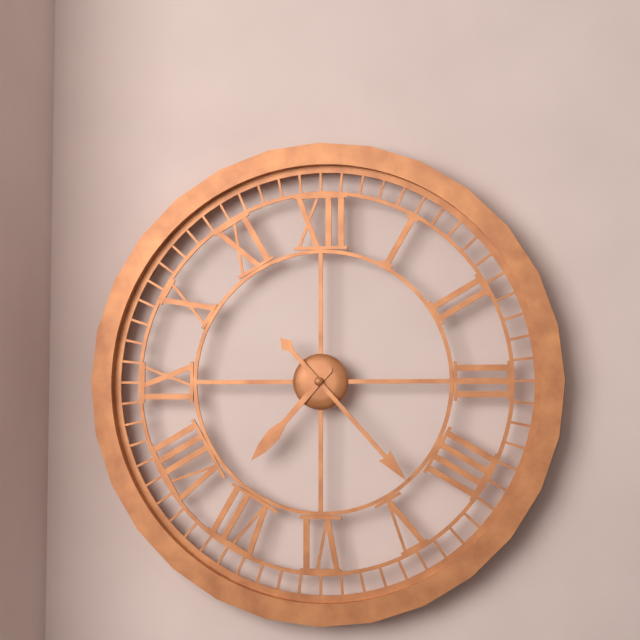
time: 7:23
